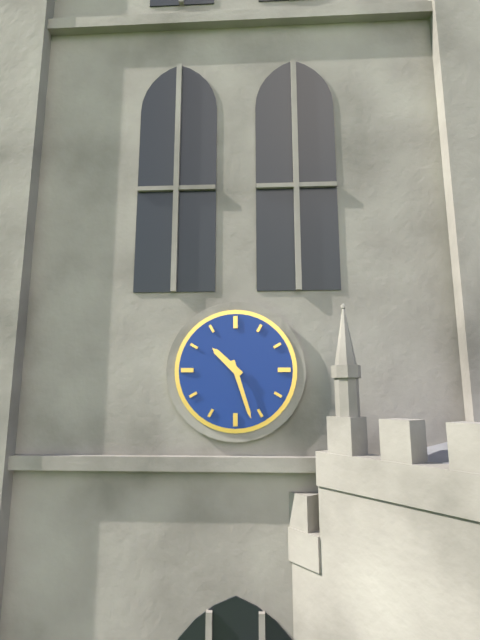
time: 10:27
